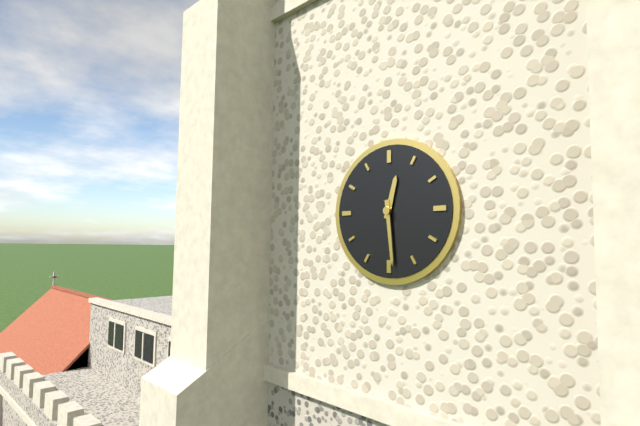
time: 12:29
